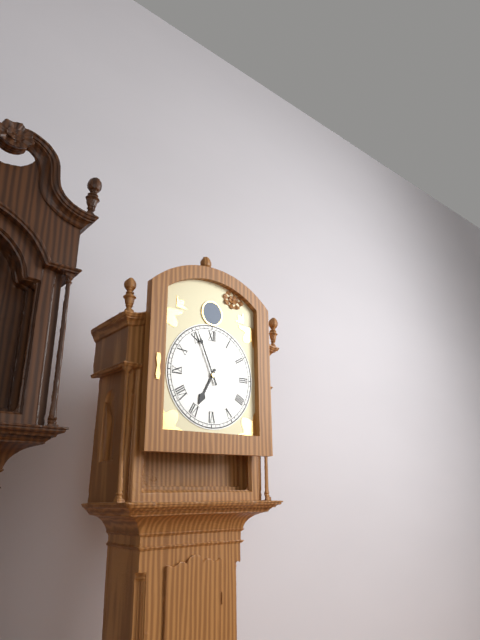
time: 6:56
